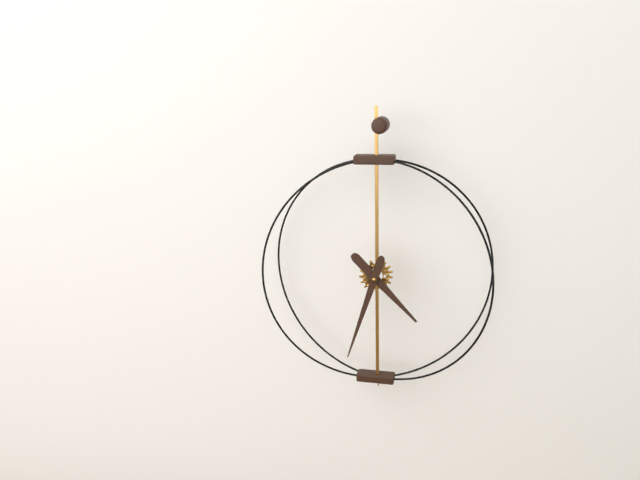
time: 4:33
